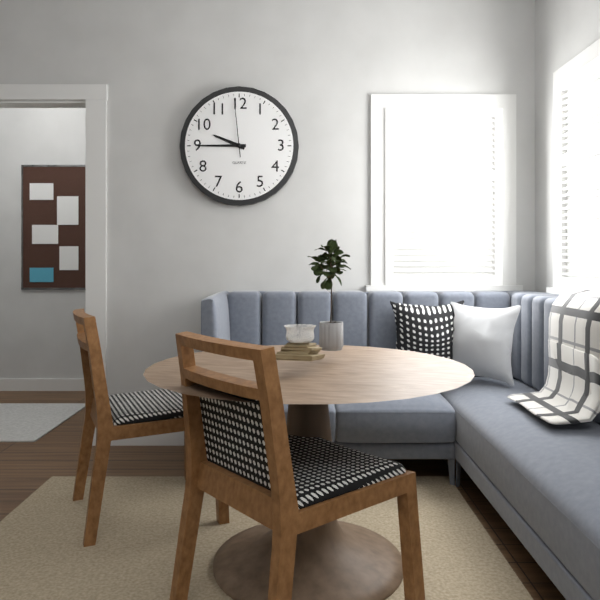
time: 9:45:59
